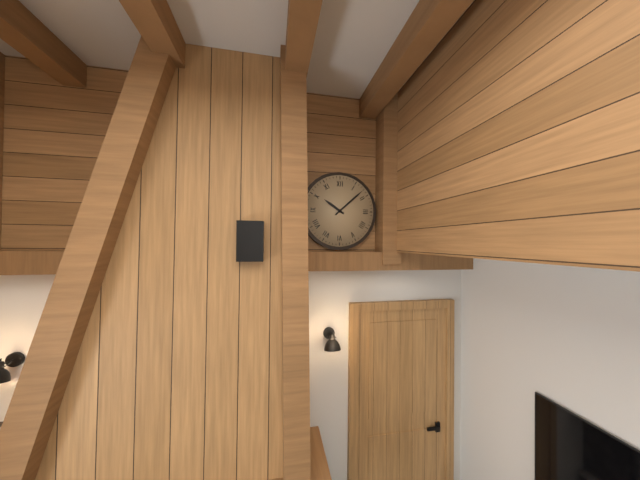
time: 10:08
